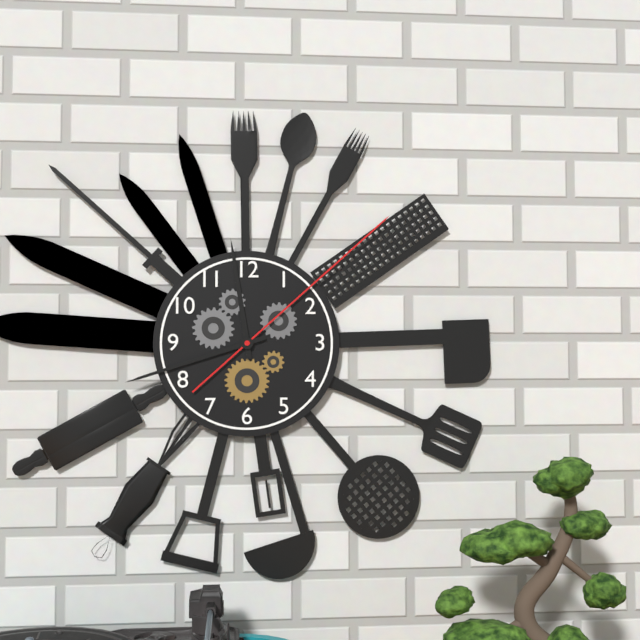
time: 11:42:08
